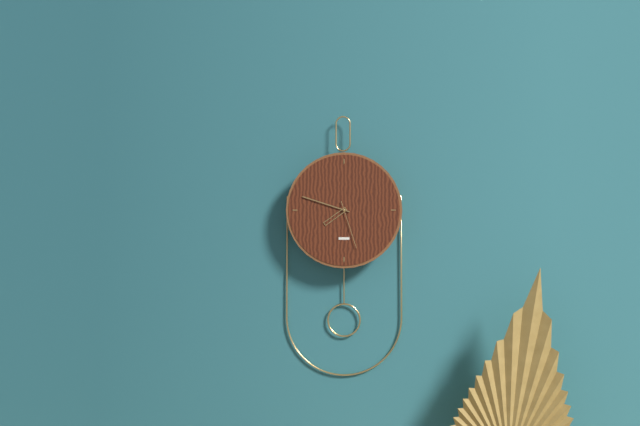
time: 7:48:27
